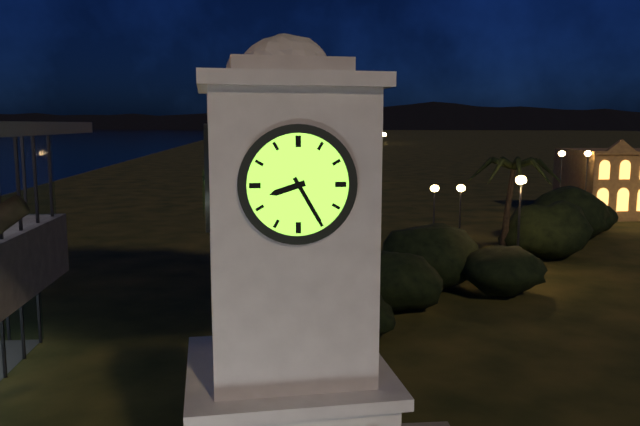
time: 8:25
